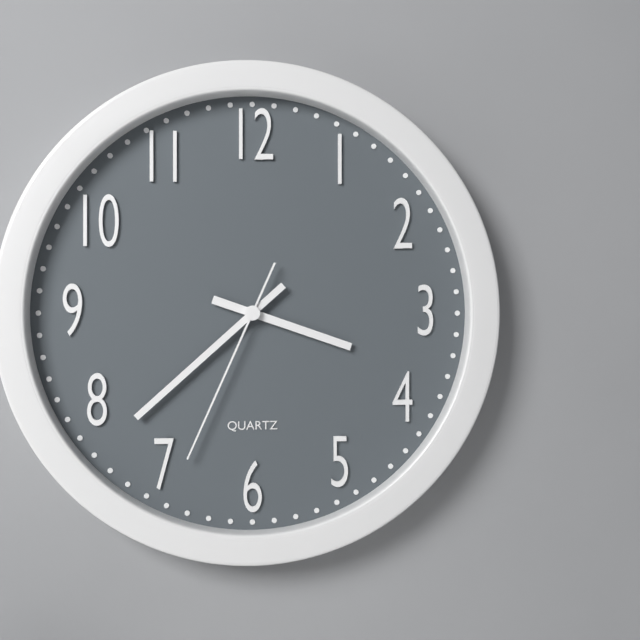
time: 3:38:34
